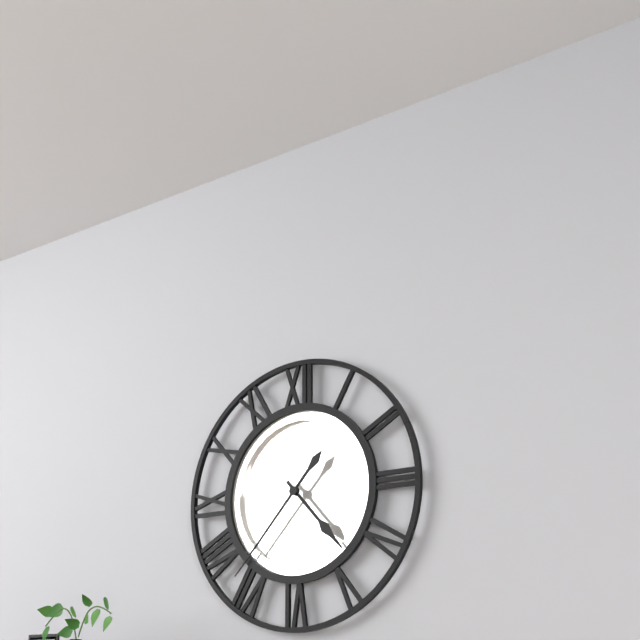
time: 4:37
